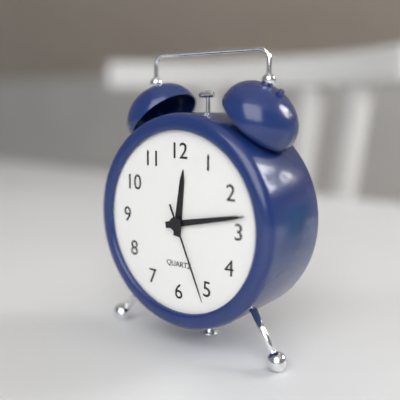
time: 12:13:26
